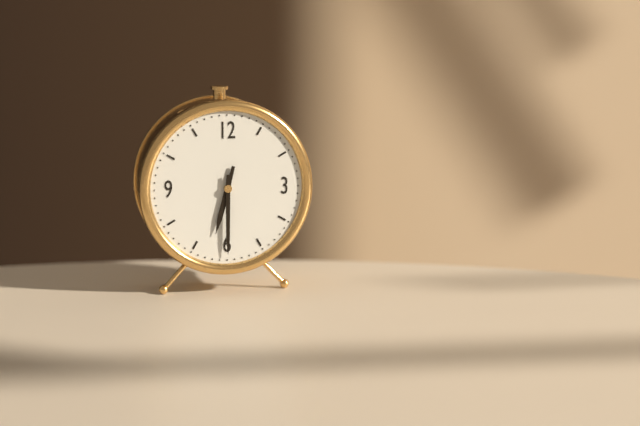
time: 6:30
